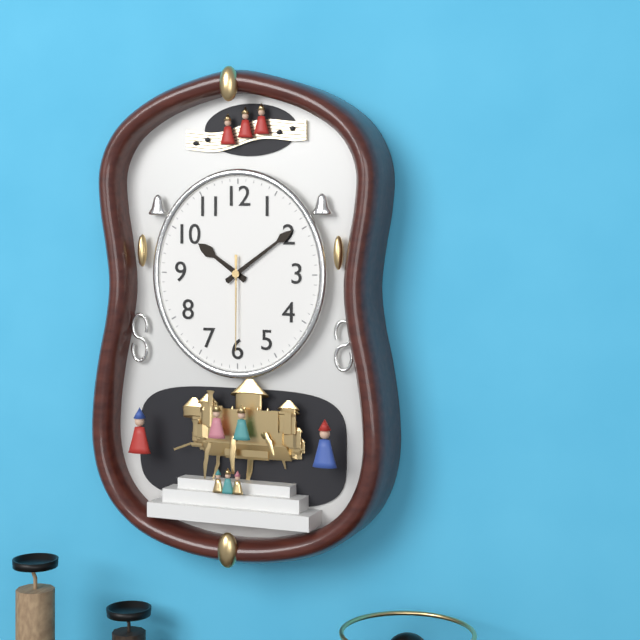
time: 10:09:30
